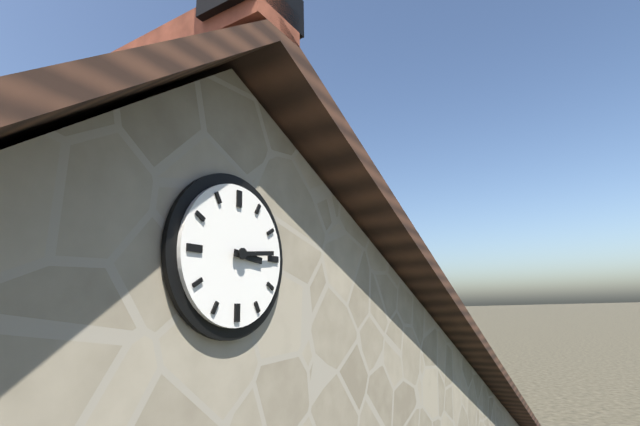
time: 3:14
